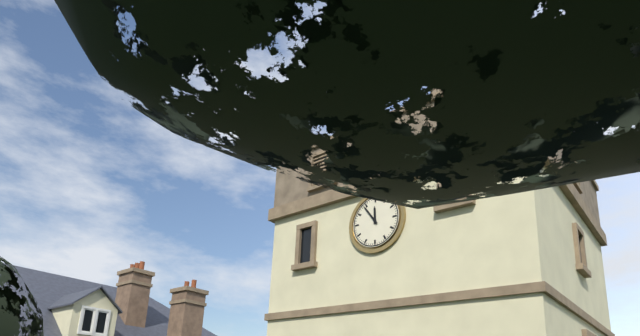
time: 11:54
